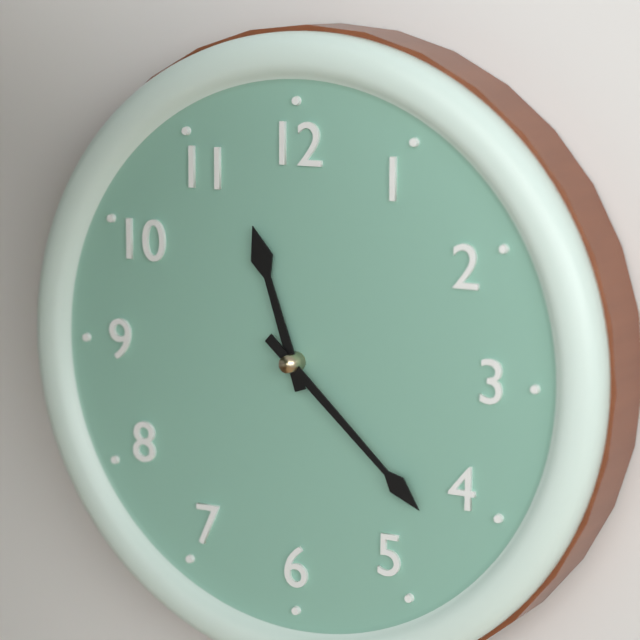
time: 11:22
